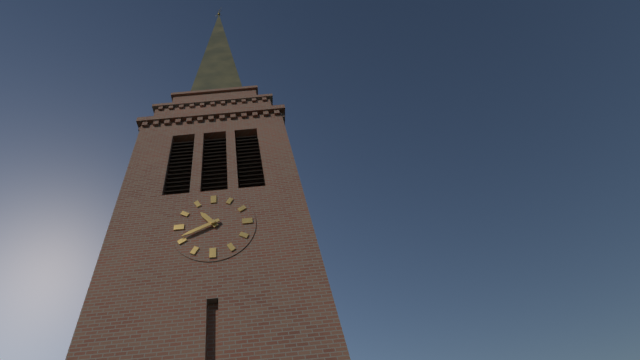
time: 10:41
